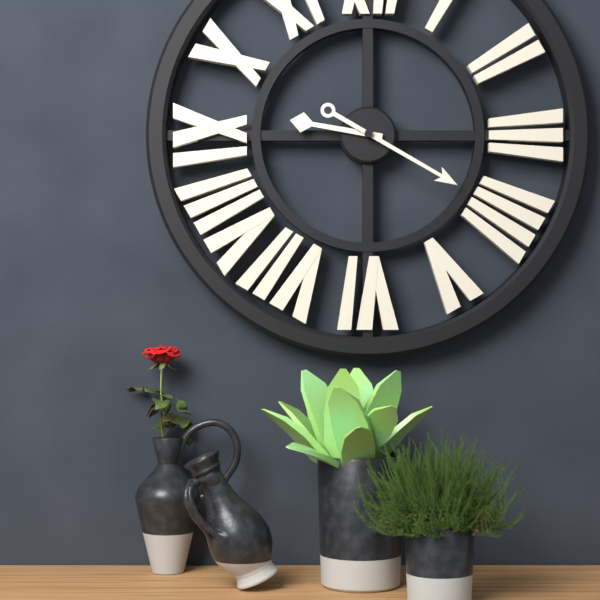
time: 9:20
